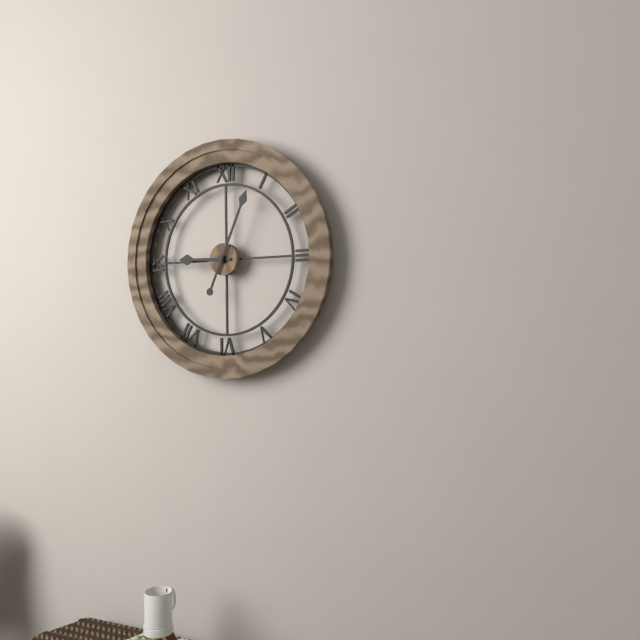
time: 9:04
